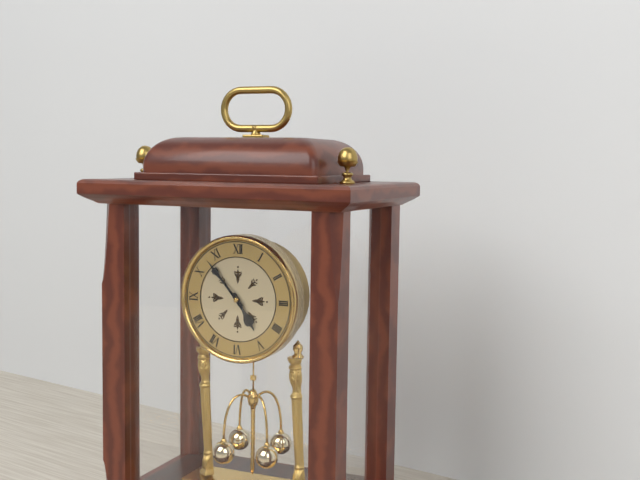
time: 4:53
